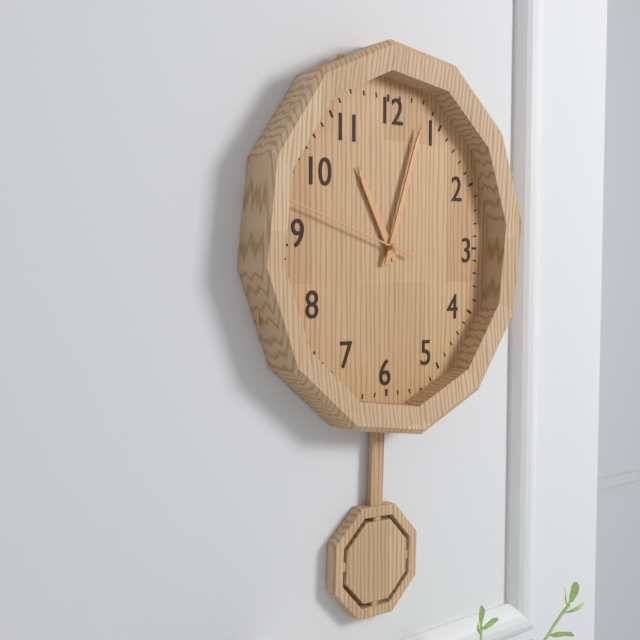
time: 11:03:48
